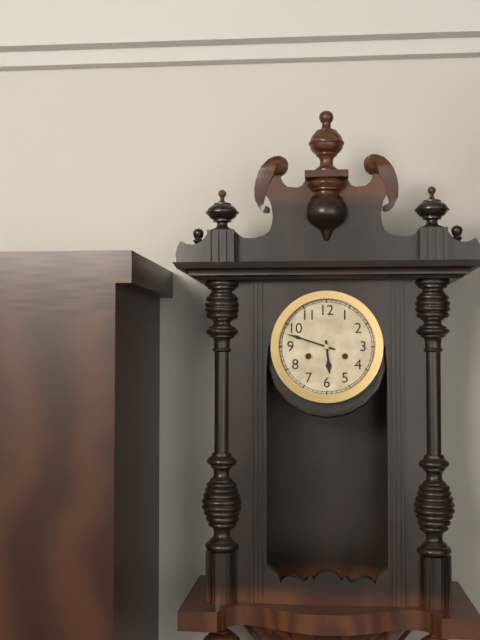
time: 5:48
